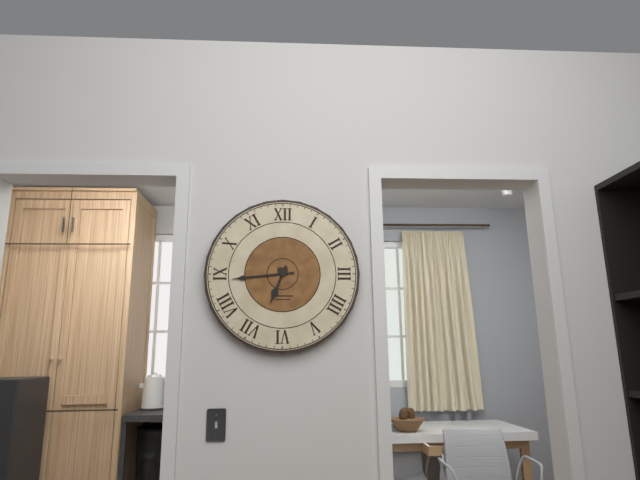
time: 6:44
